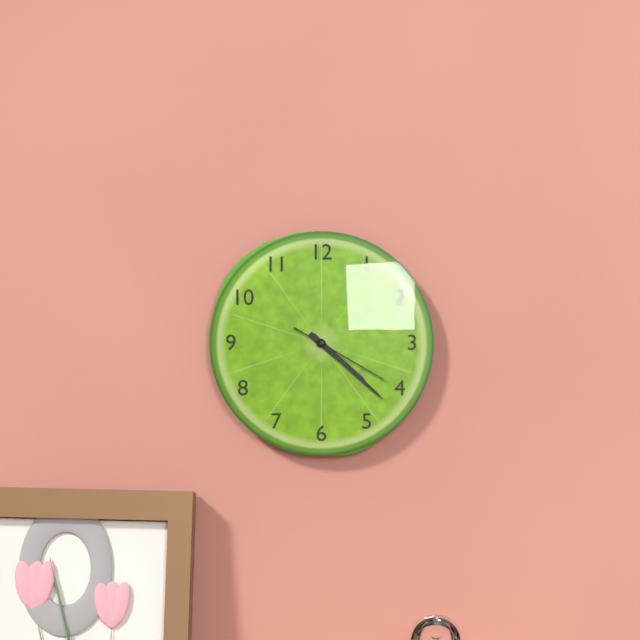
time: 4:22:20
